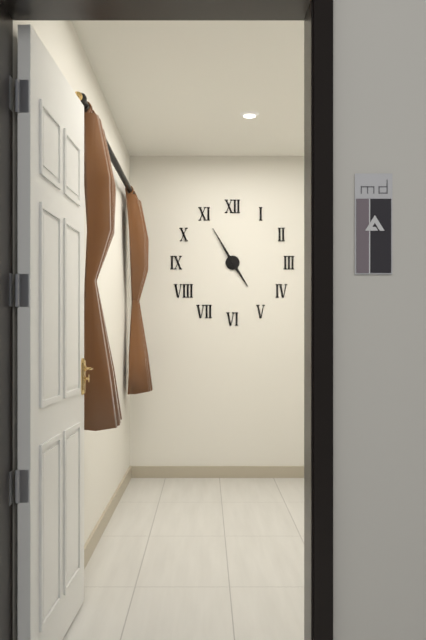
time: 4:55
